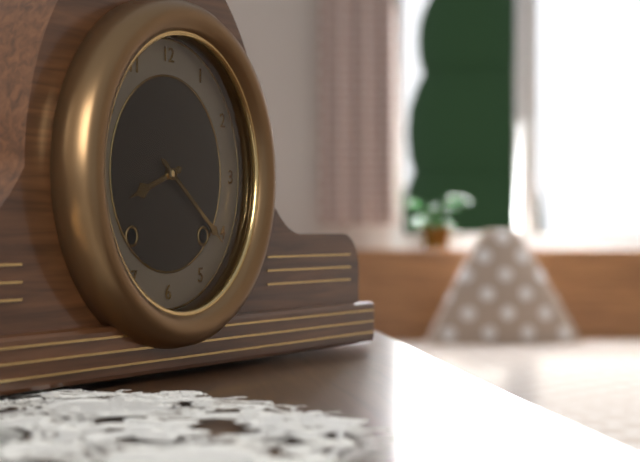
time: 8:21
